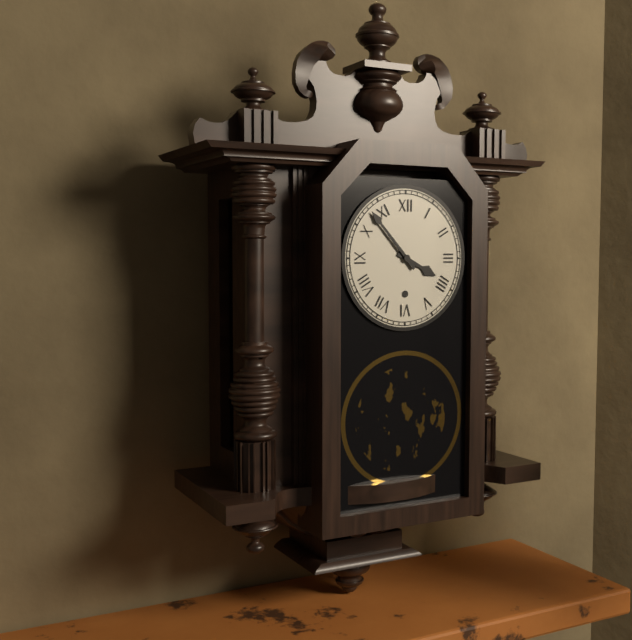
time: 3:53
